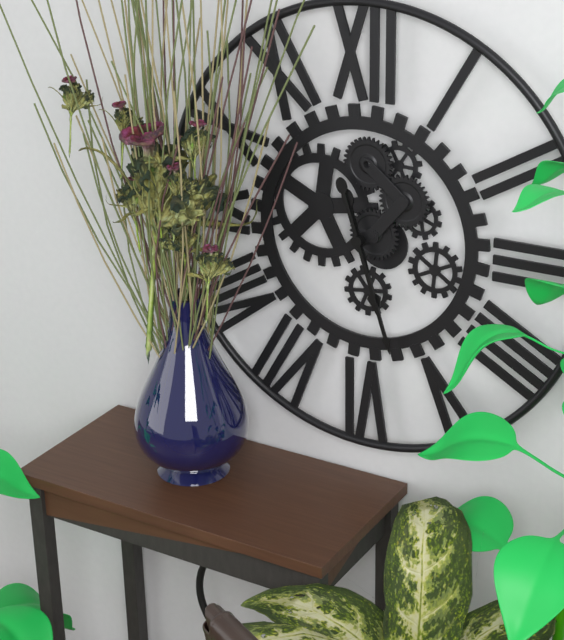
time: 5:27
